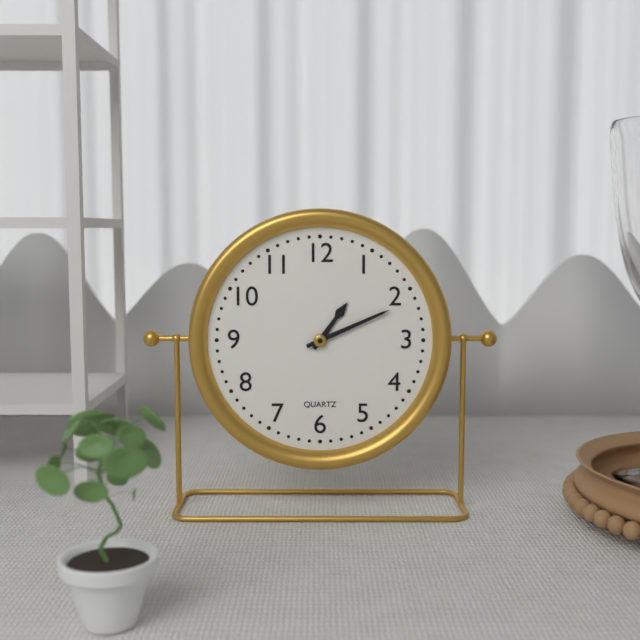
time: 1:11
